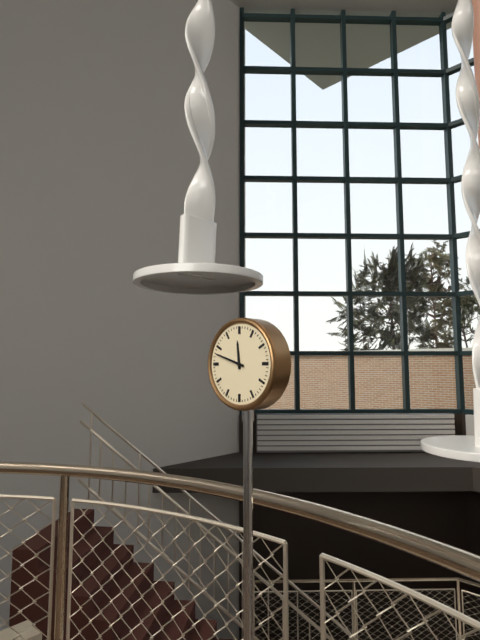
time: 11:48
